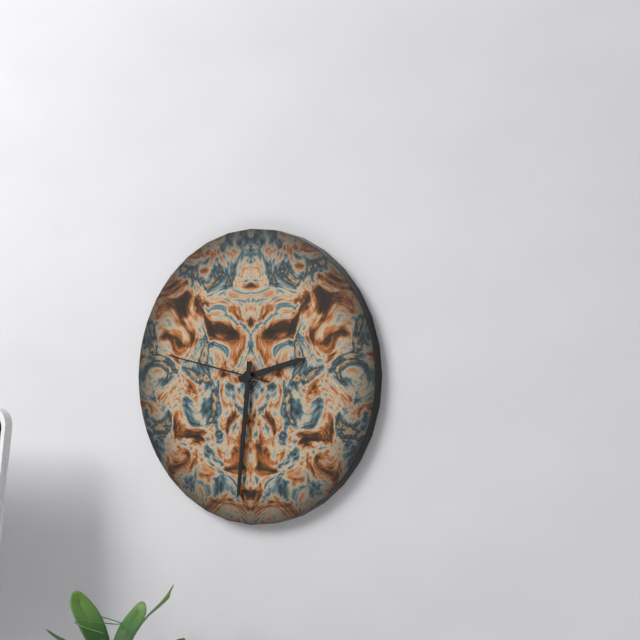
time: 2:31:47
